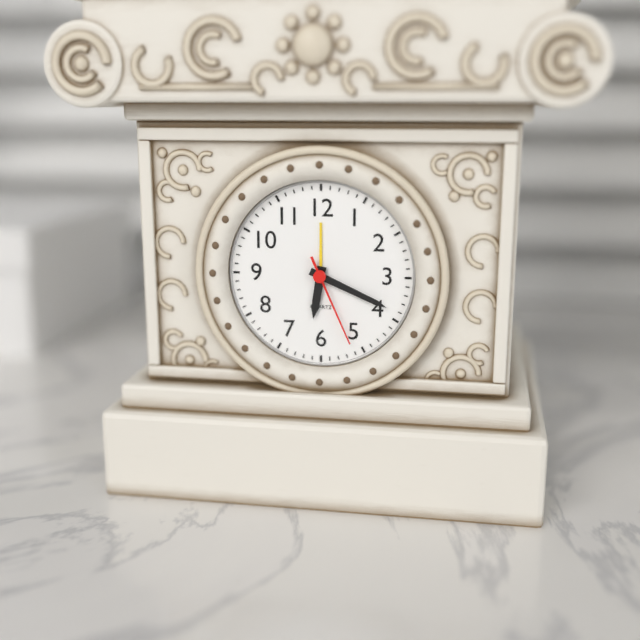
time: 6:19:26
